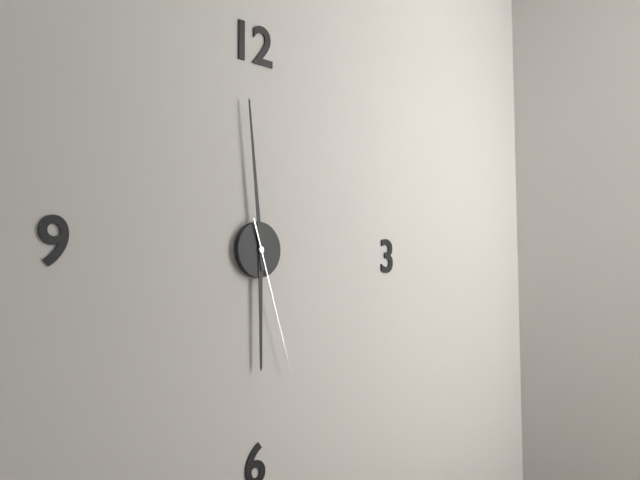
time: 5:59:27
